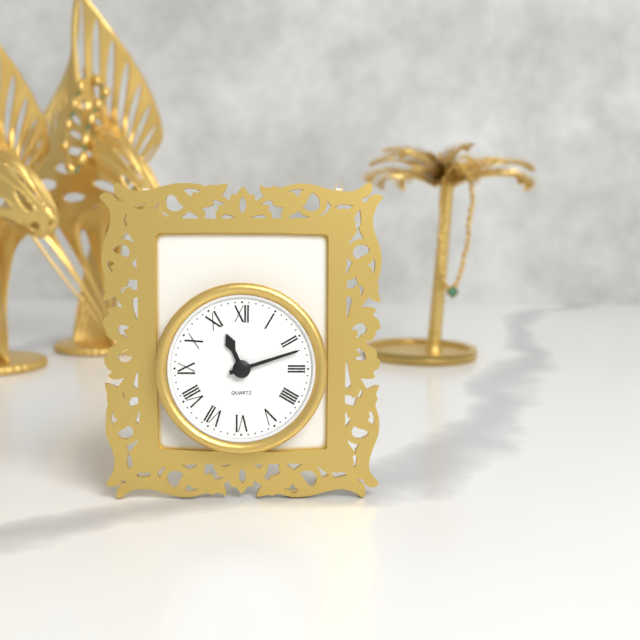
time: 11:12
